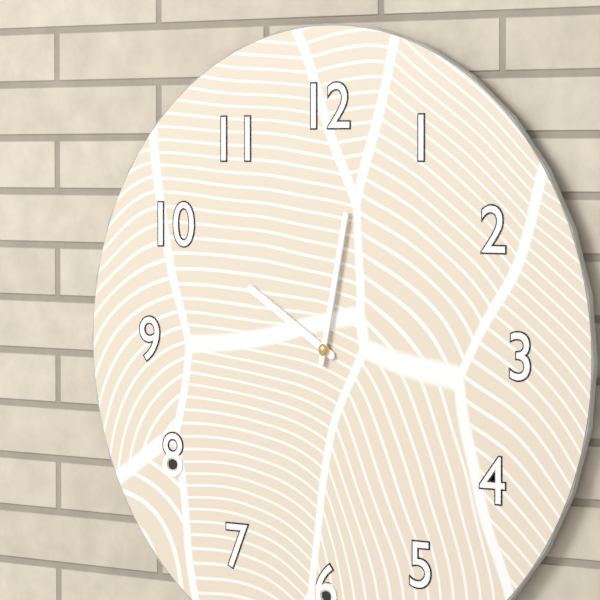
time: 10:02
